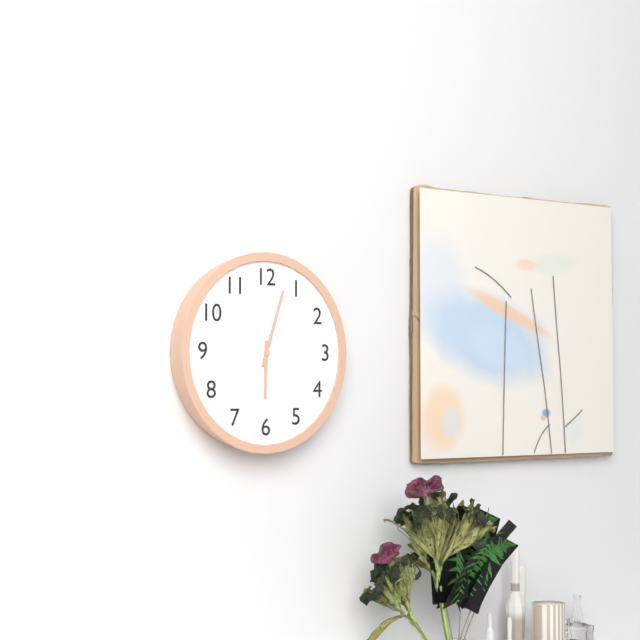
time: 6:03
